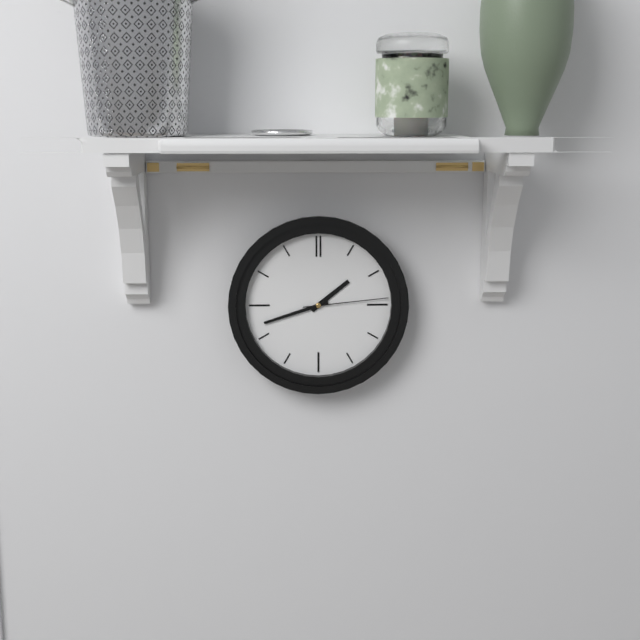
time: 1:42:14
